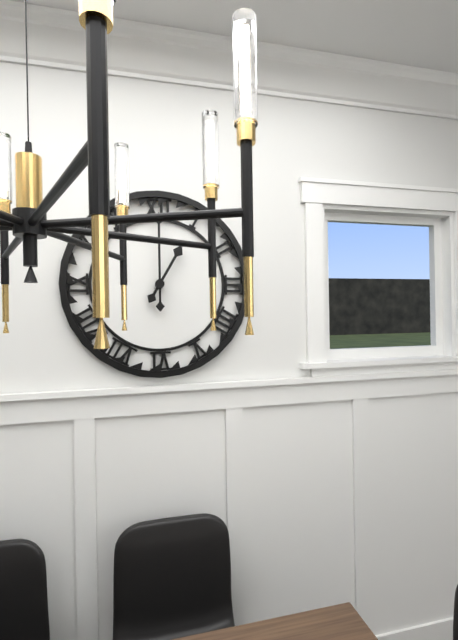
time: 1:00
